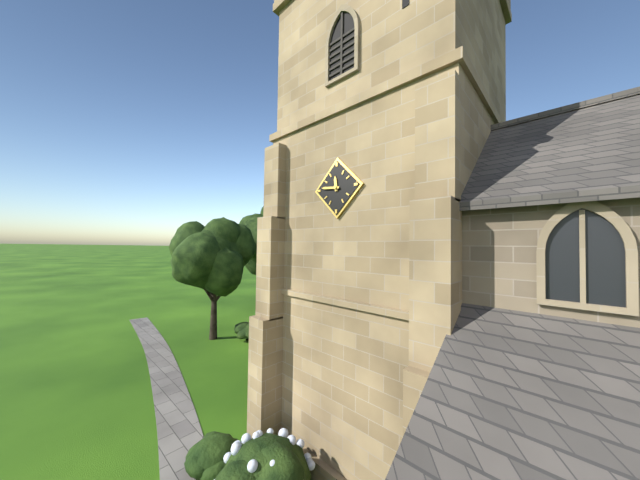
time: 11:46
